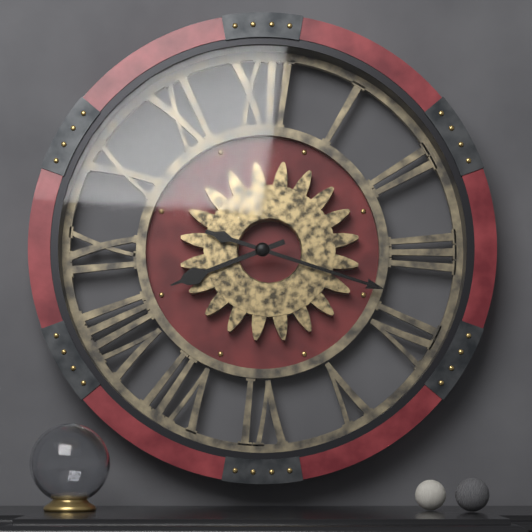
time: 8:18
